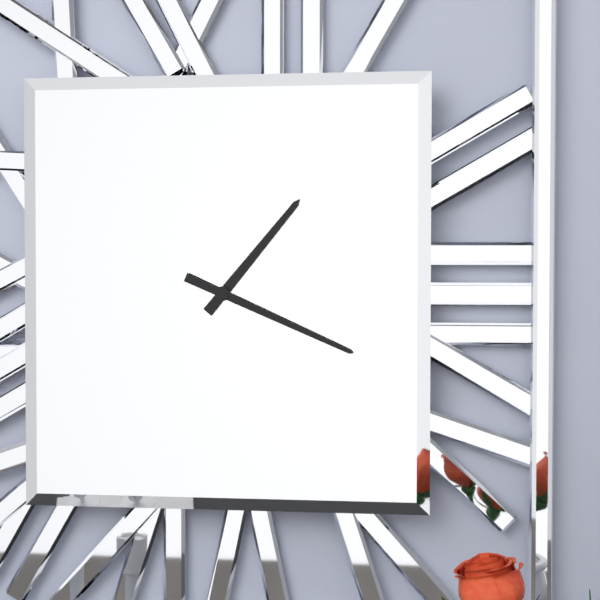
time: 1:19
